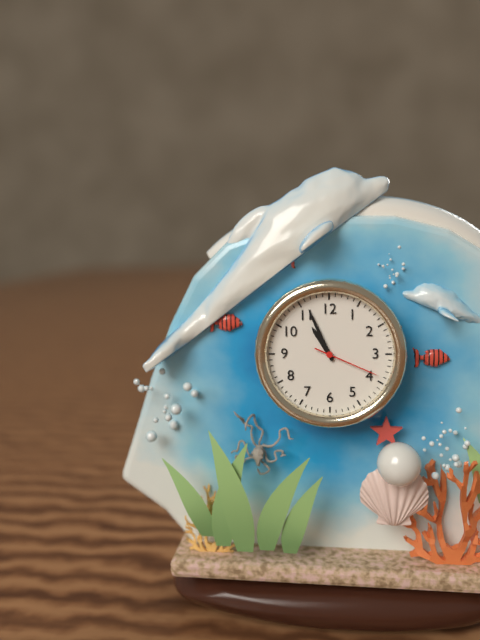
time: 10:56:19
